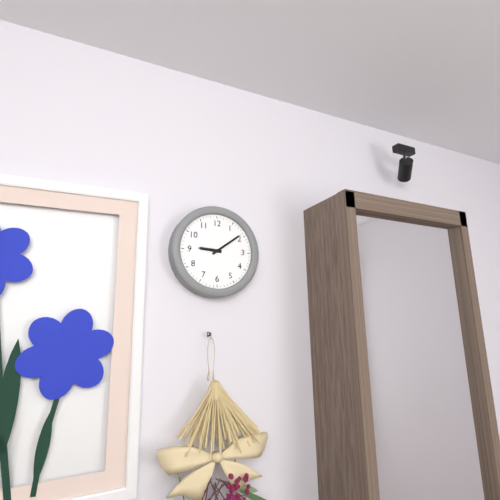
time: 9:09
